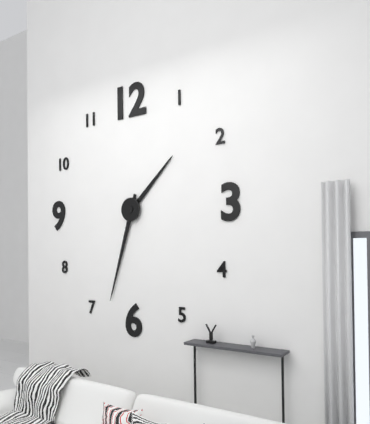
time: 1:33
